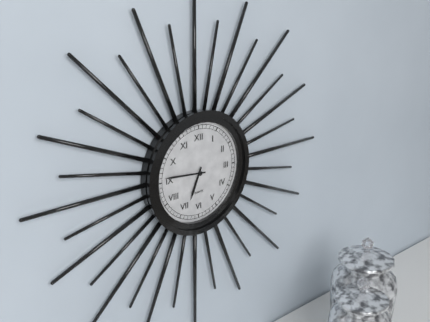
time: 6:46
